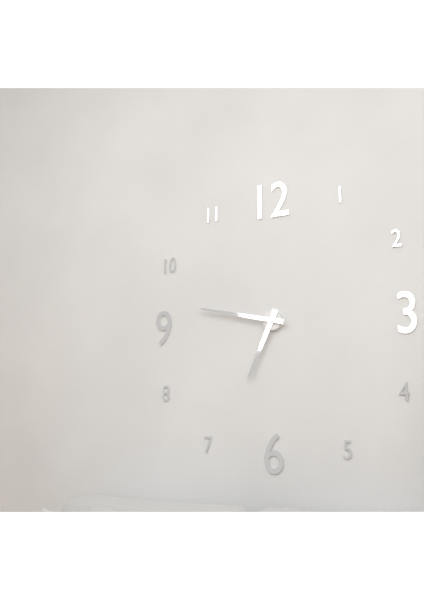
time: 6:47
